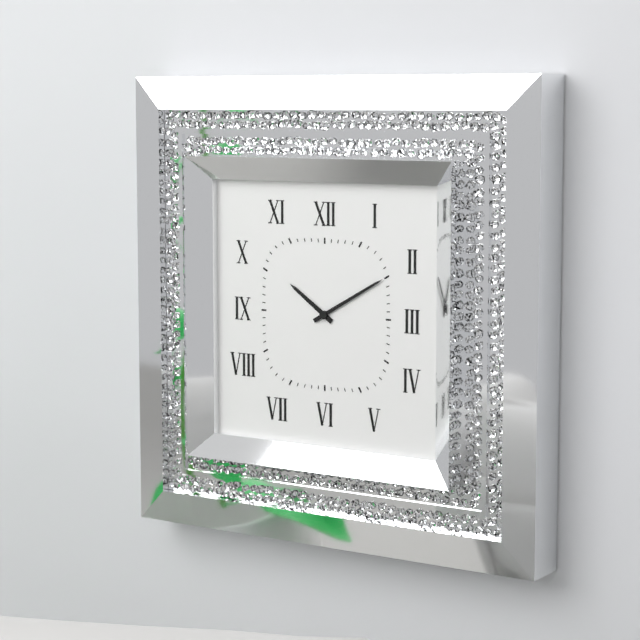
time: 10:10
